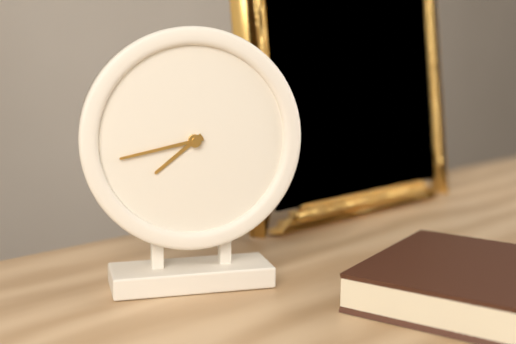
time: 7:43
